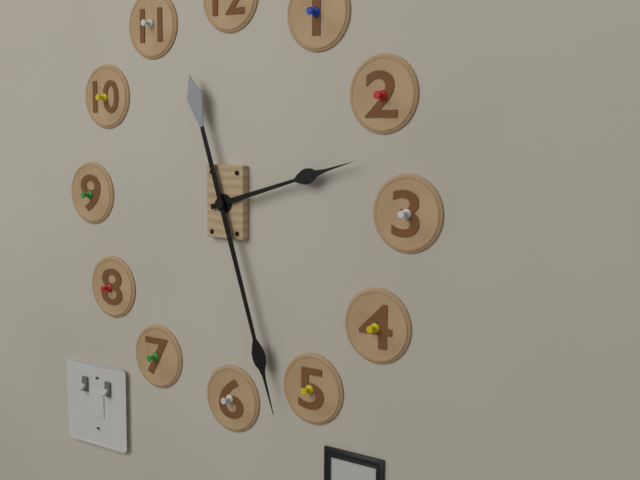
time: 2:27
